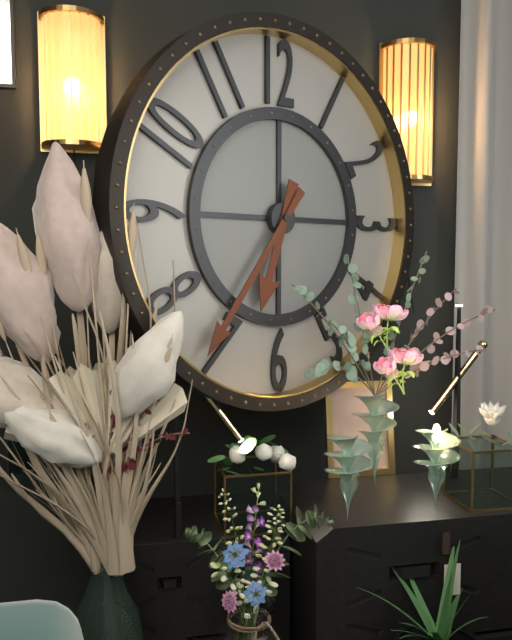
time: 6:36
